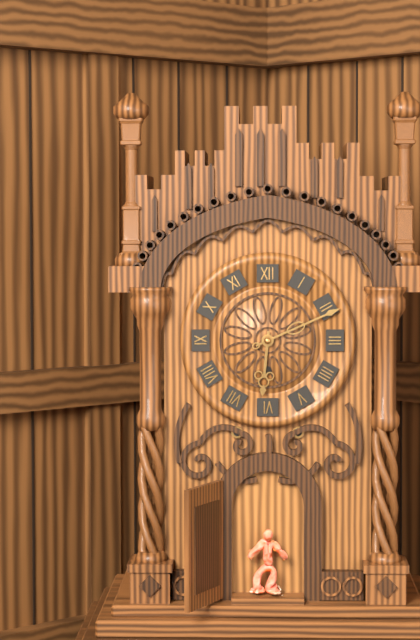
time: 6:11
